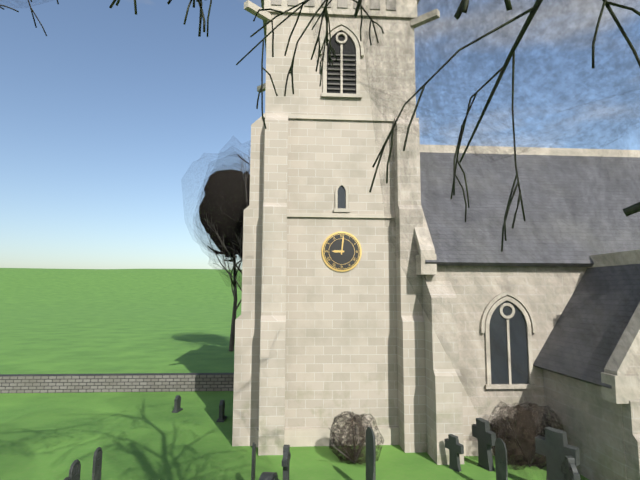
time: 9:01
